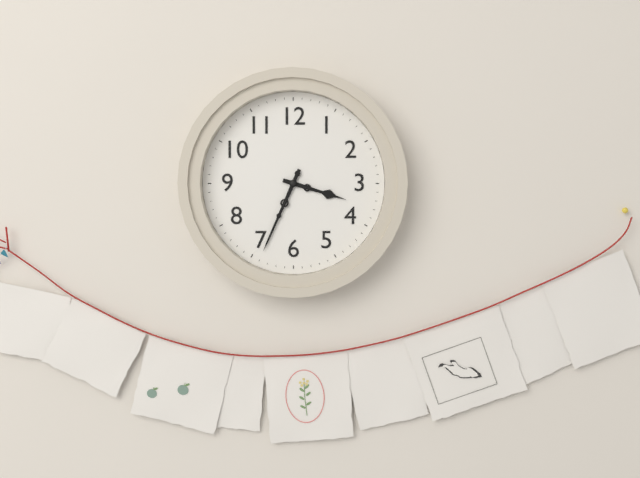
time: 3:34
